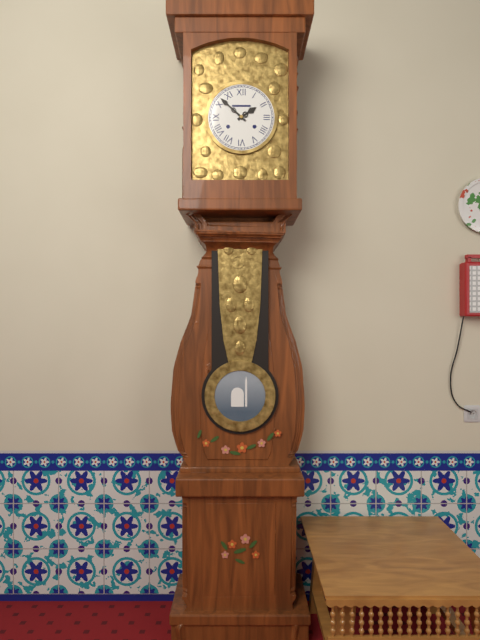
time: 1:52
